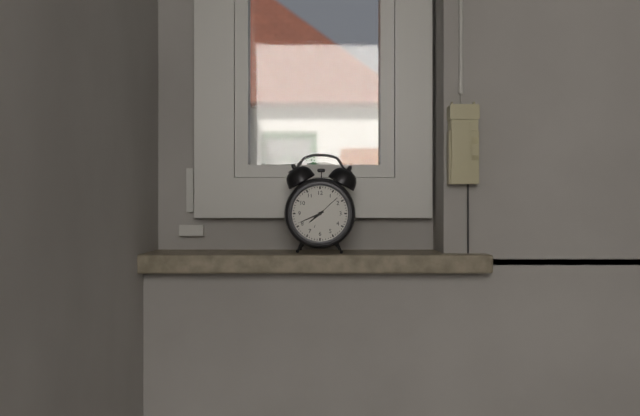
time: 7:41
